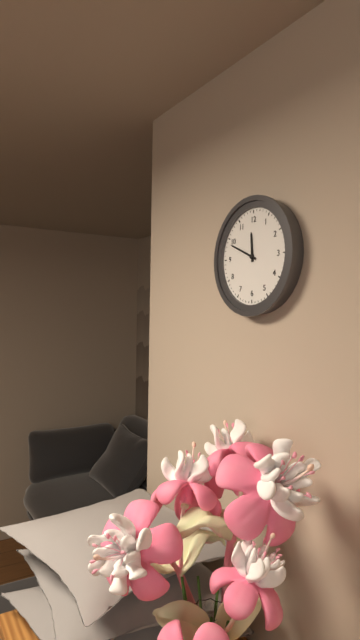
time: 11:49
